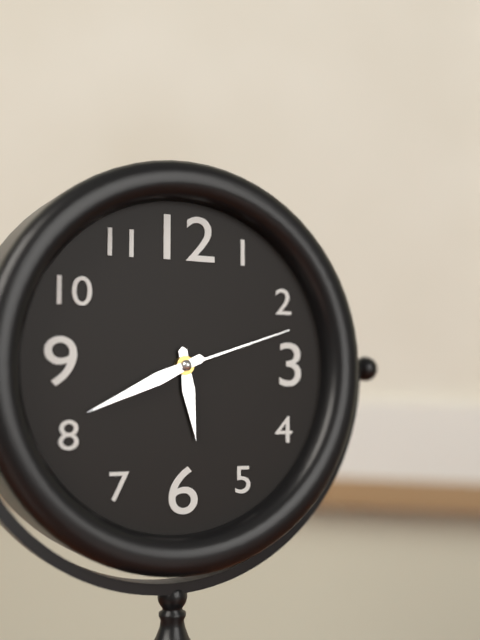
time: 5:41:12
